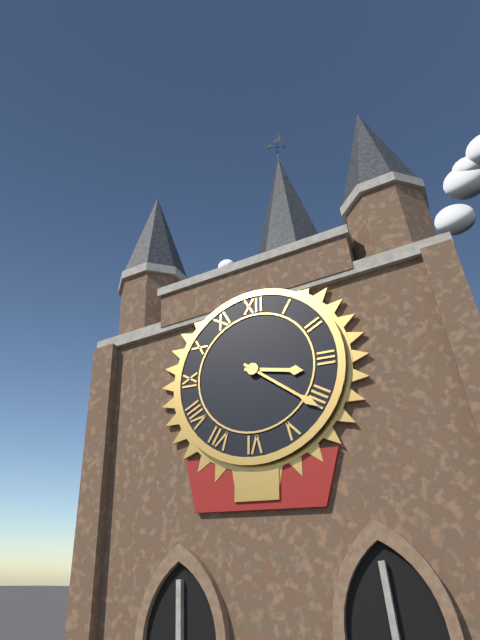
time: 3:21
